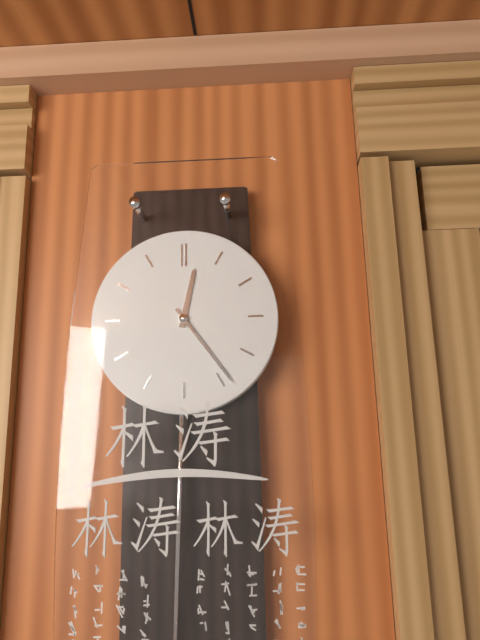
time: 12:24
